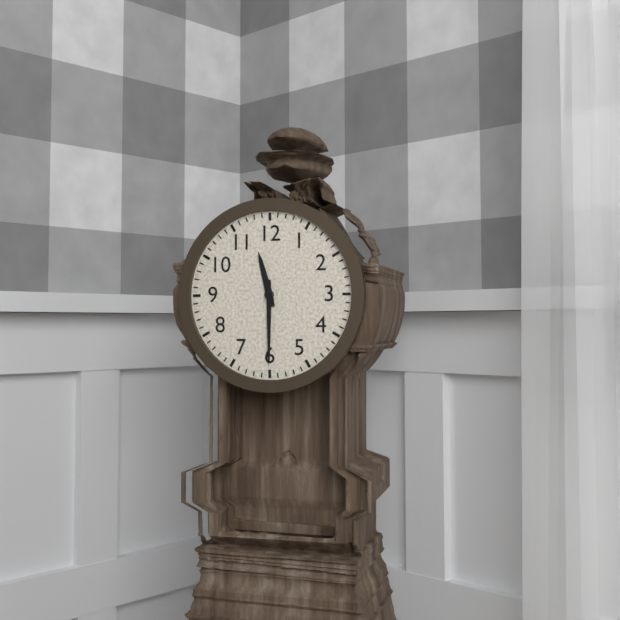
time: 11:30
